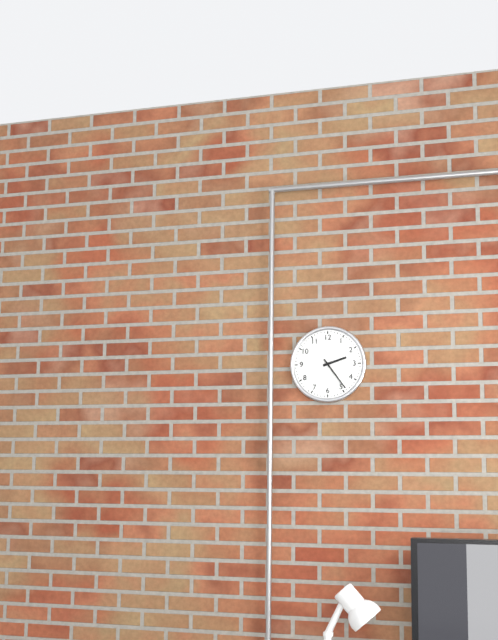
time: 2:24
